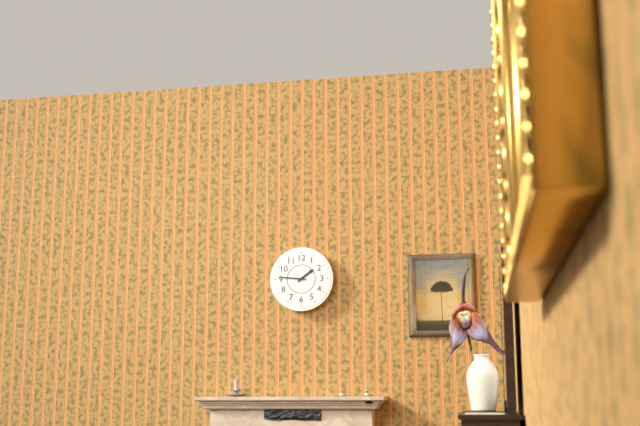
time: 1:46
